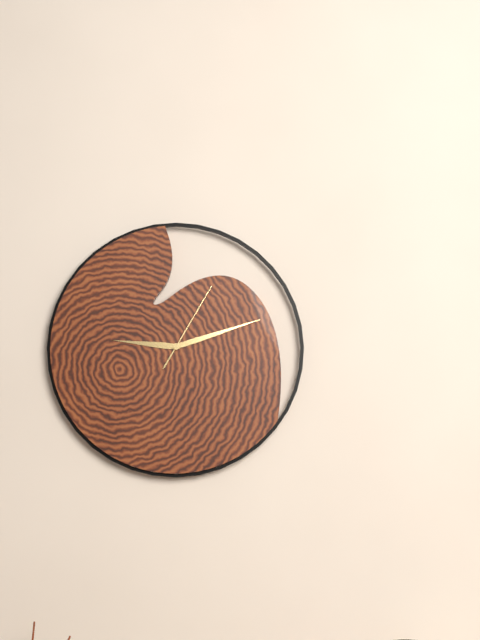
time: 9:12:05
